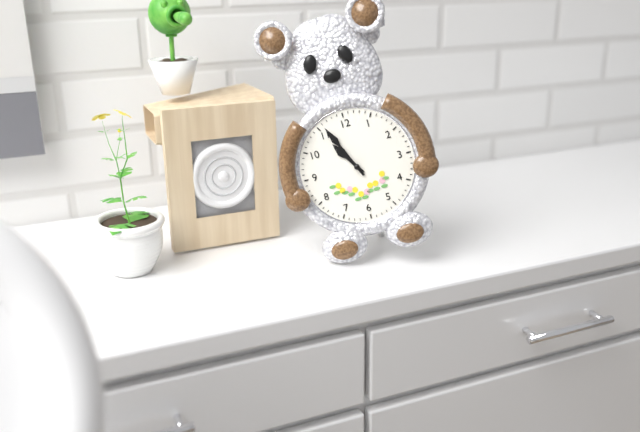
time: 10:56
